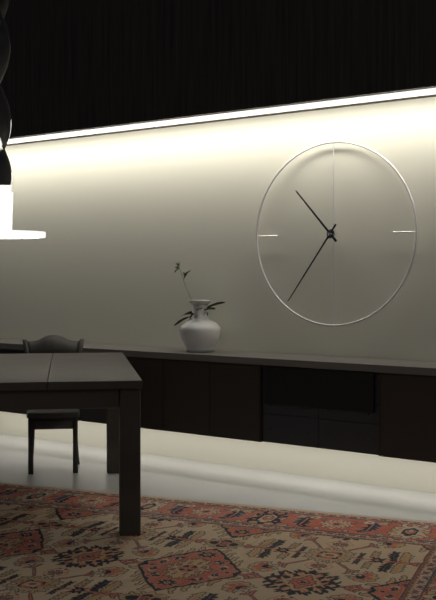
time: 10:36
